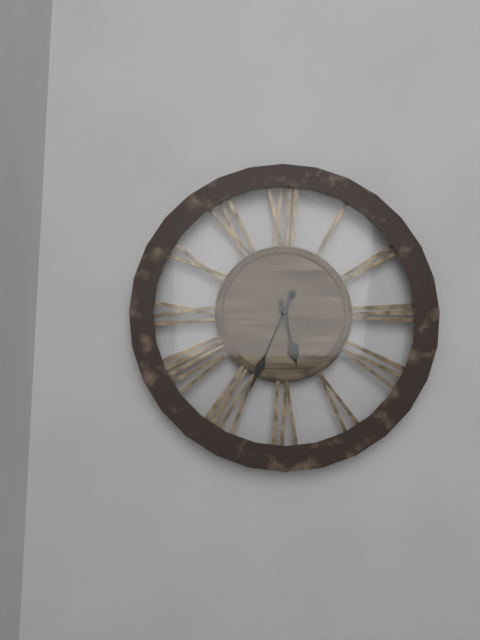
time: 5:34
